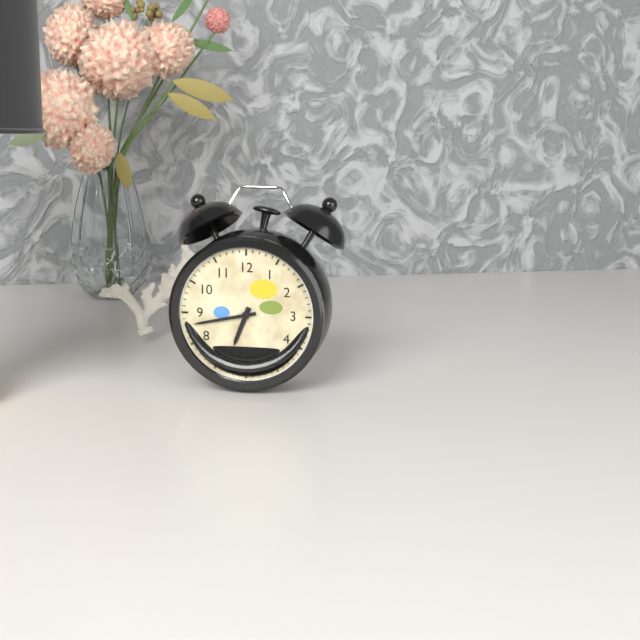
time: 6:43
